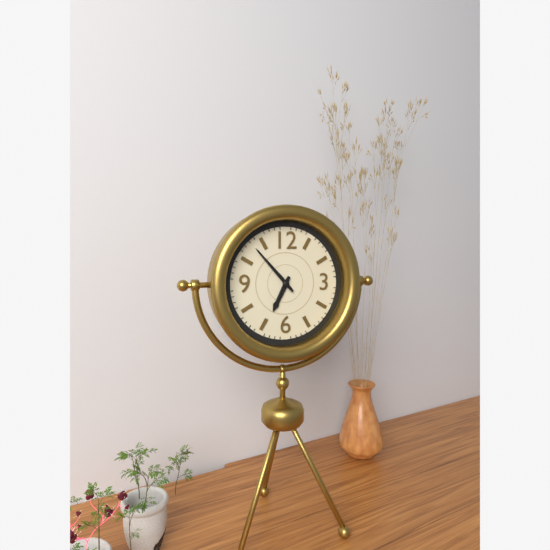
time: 6:53
